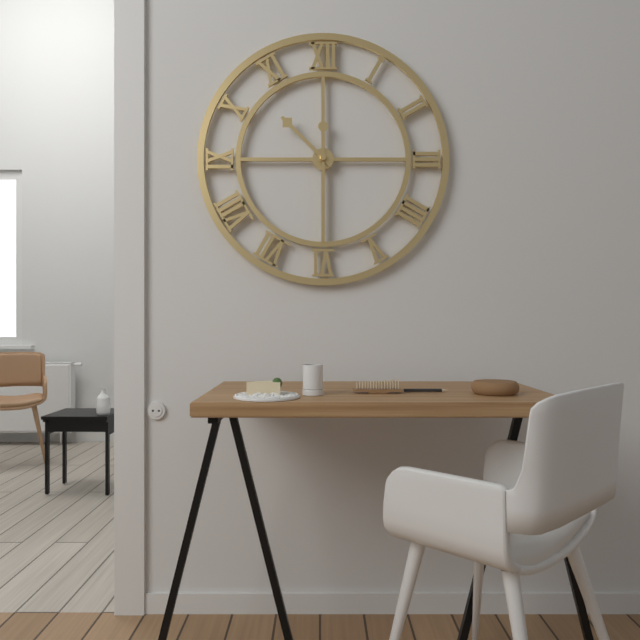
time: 10:30
